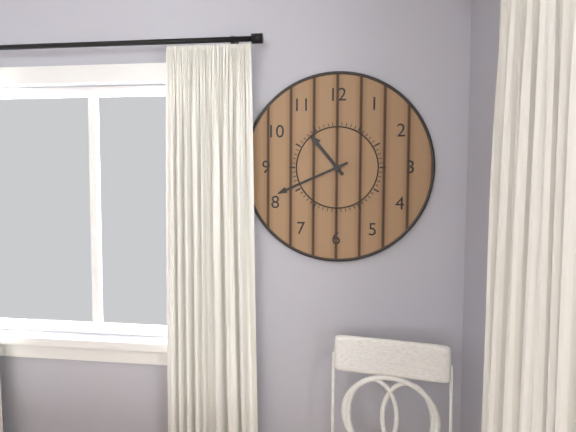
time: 10:41
